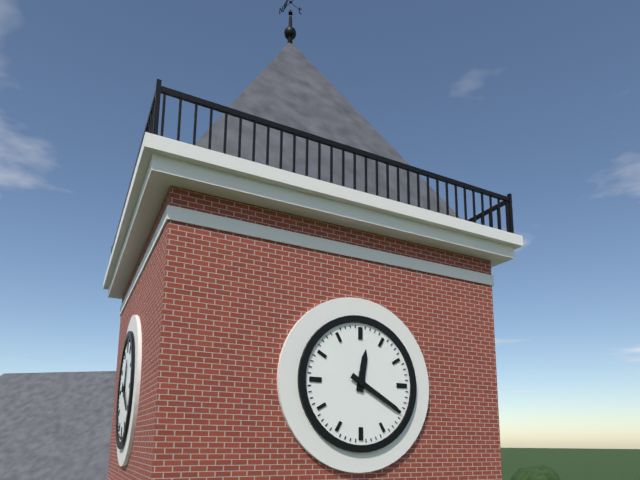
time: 12:20
